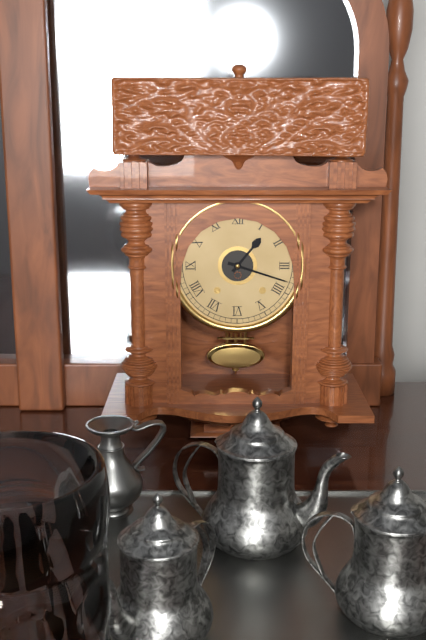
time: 1:18
